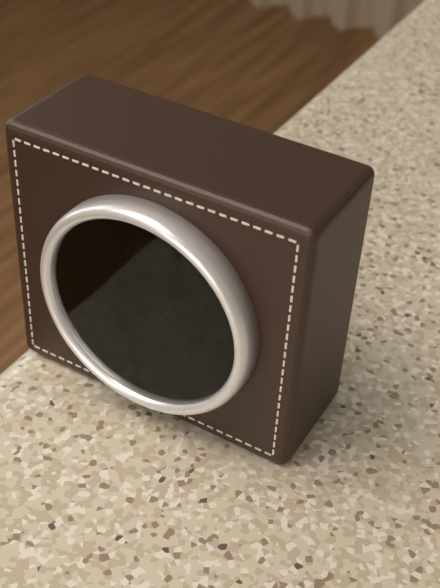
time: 7:06
